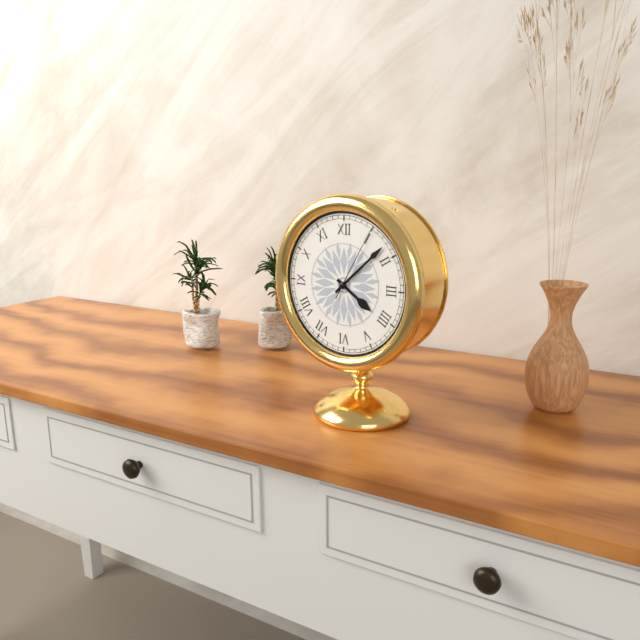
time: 4:08:05
